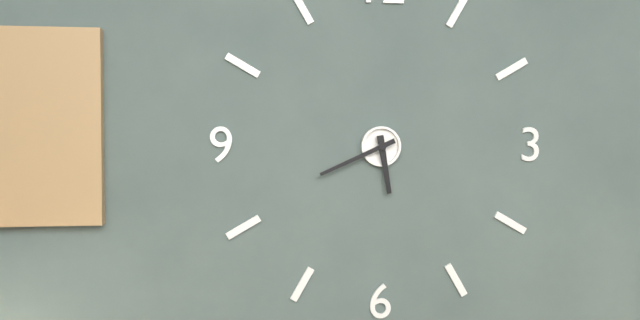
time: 5:41
